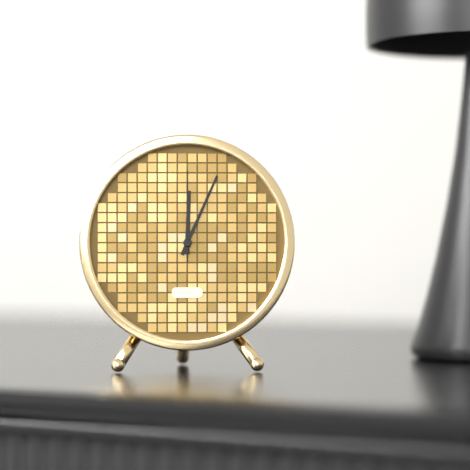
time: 12:04:00
